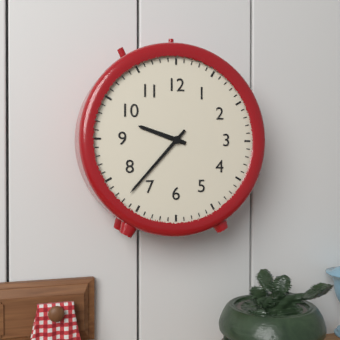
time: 9:37
